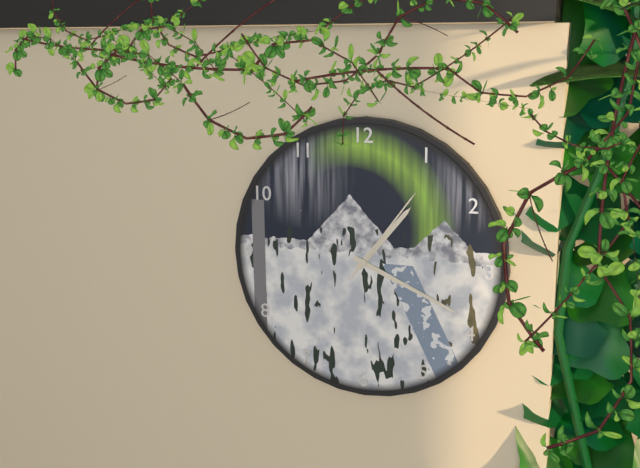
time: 1:19:06
